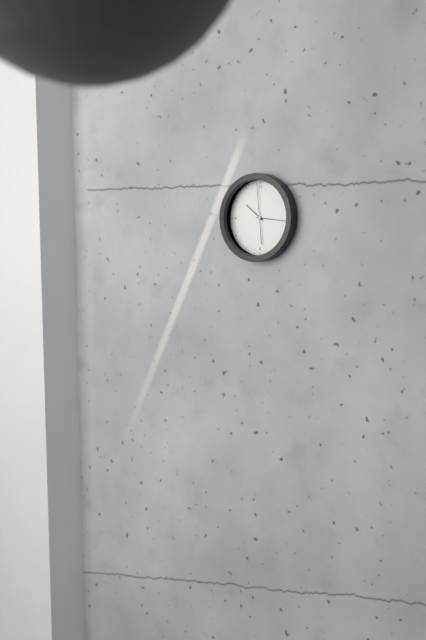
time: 10:16
